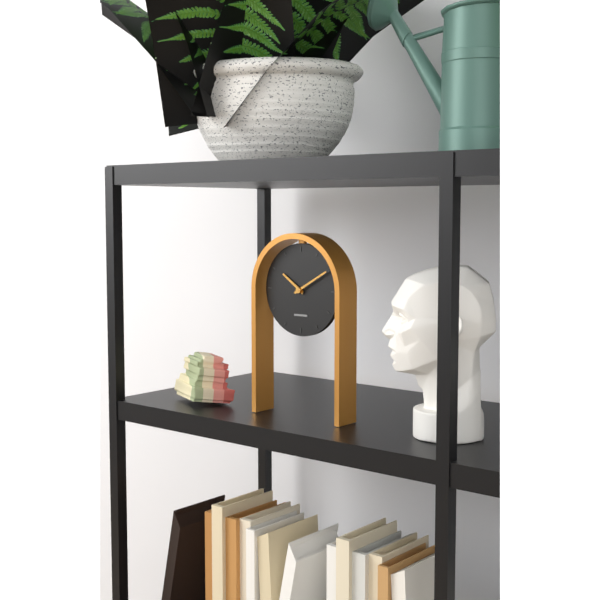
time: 10:10
